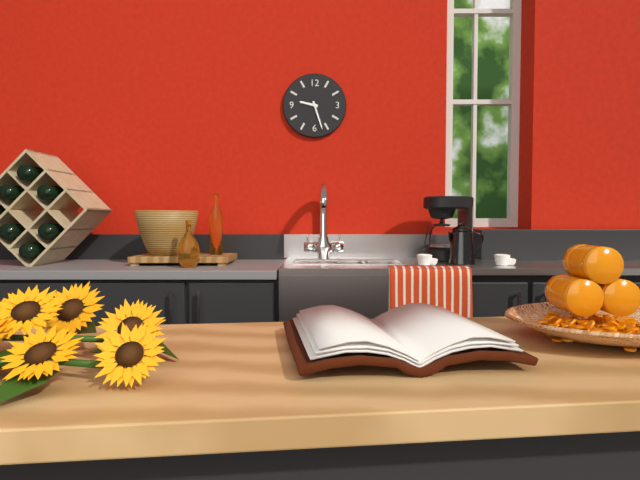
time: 9:27
